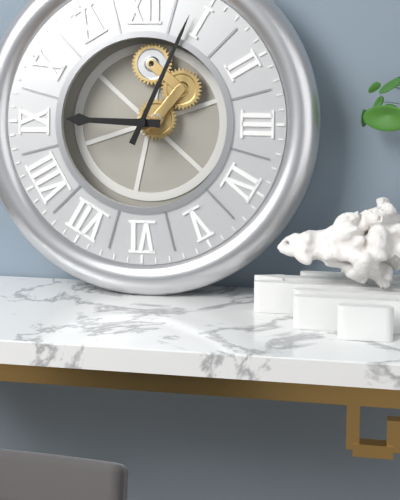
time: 9:04
